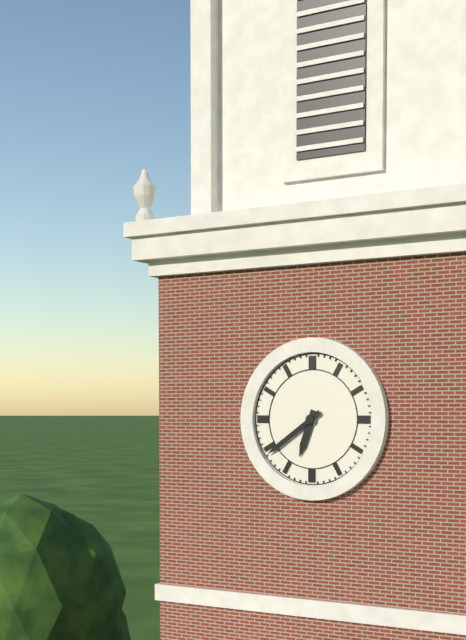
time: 6:39
